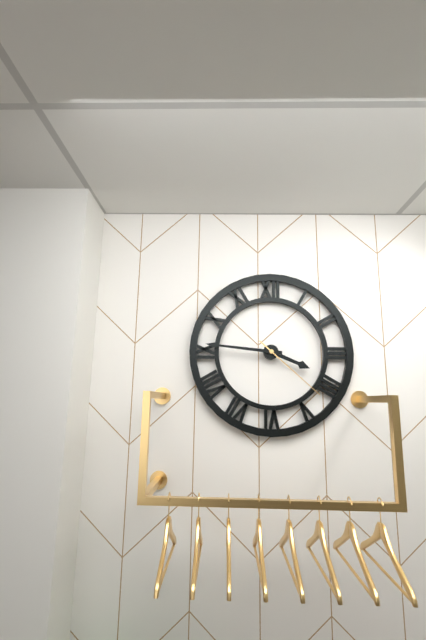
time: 3:46:22
